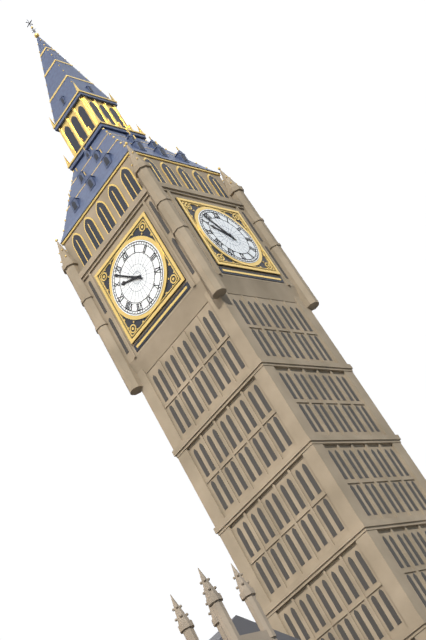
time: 9:53
